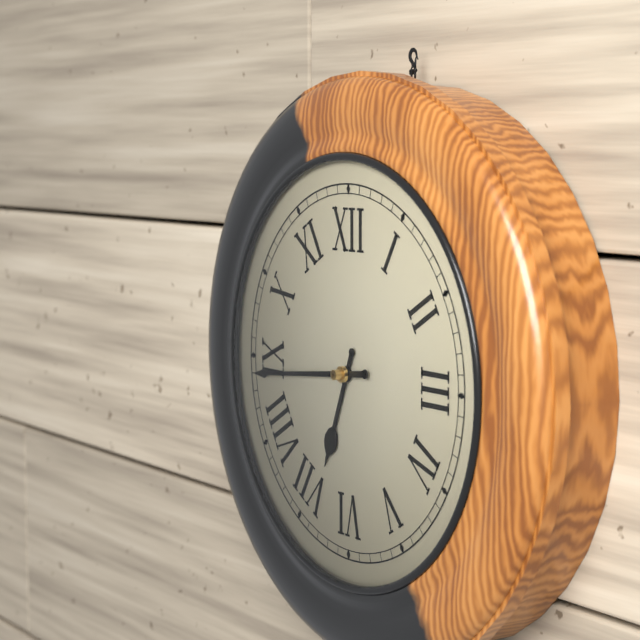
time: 6:44
